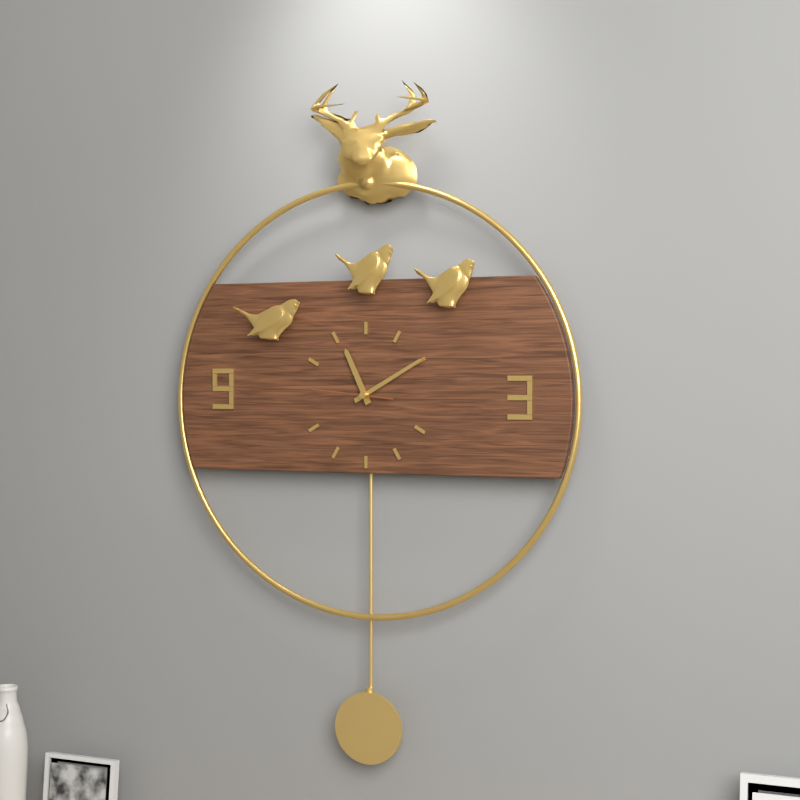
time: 11:10:46
